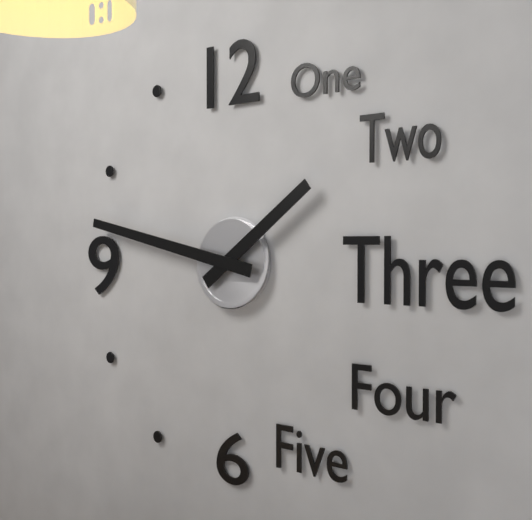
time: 1:47
